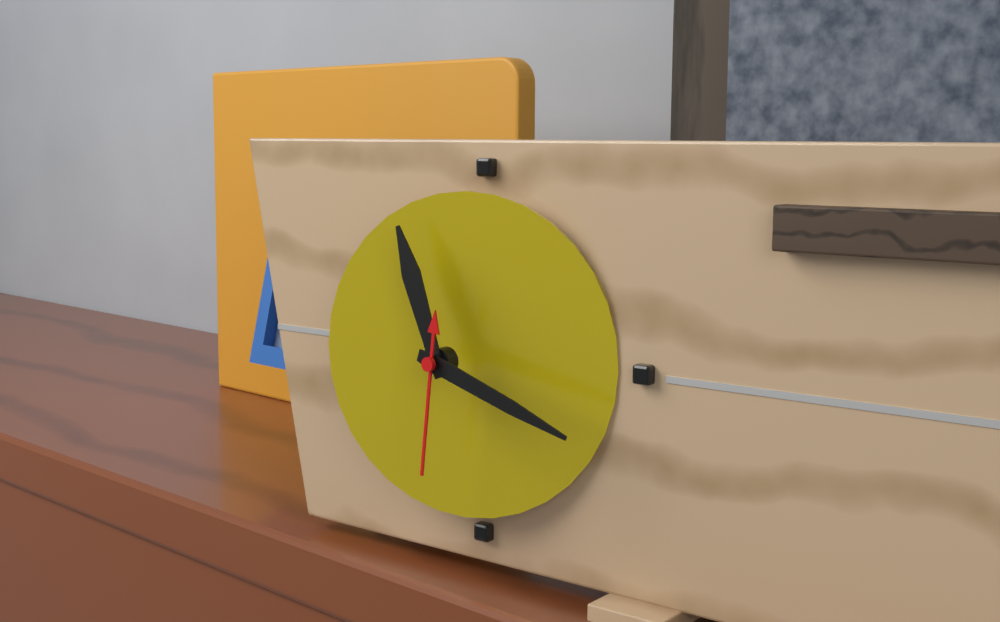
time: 11:18:31
